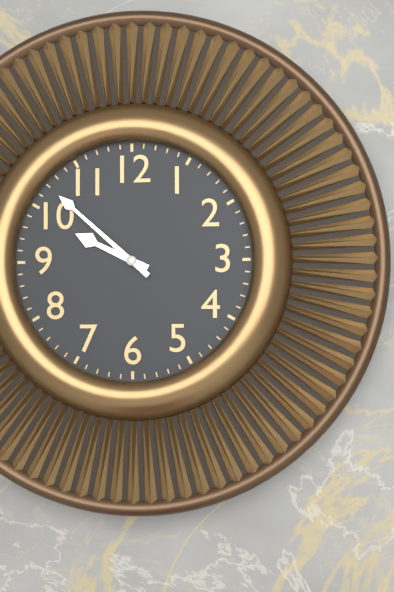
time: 9:52
